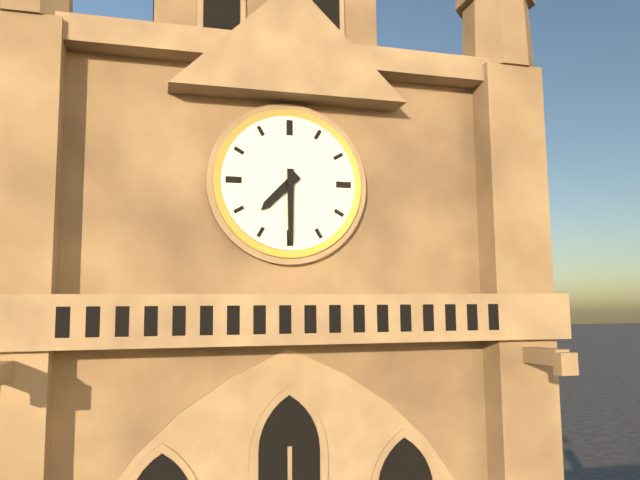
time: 7:30
